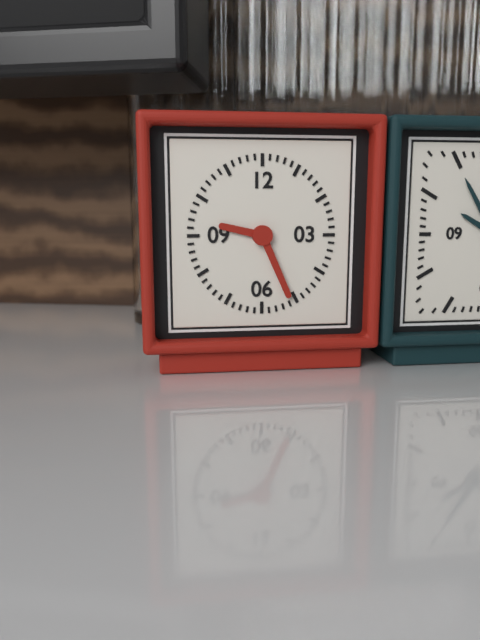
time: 9:26
